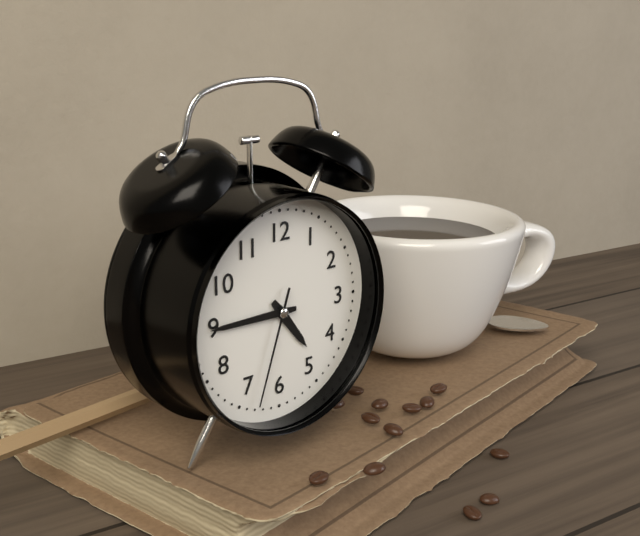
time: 4:45:33
